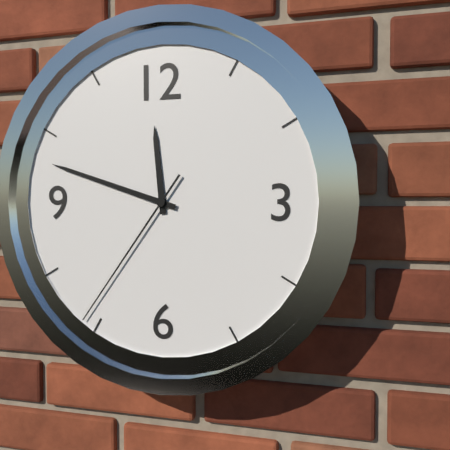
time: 11:48:36
